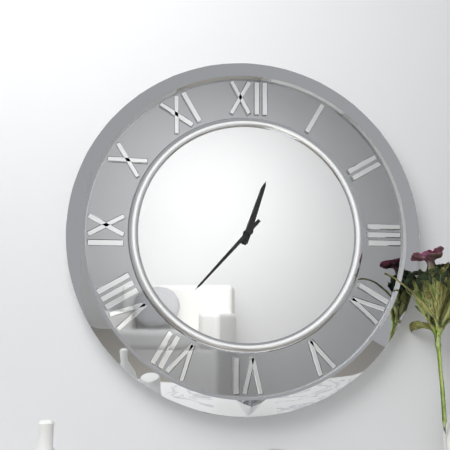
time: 12:37
